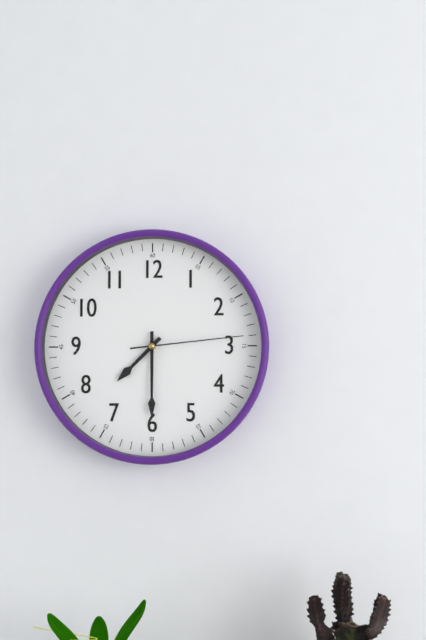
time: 7:30:14
